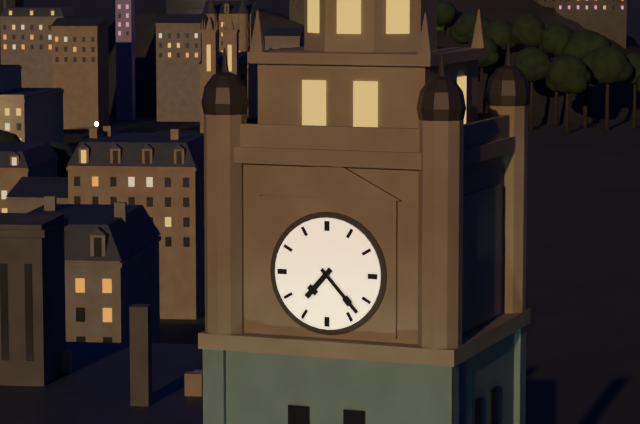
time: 7:23
